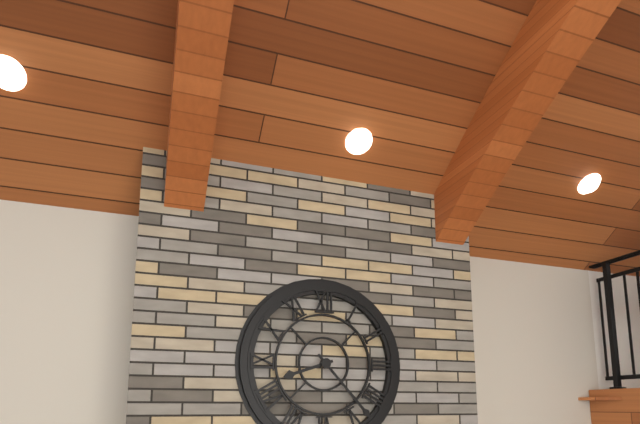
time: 8:23
